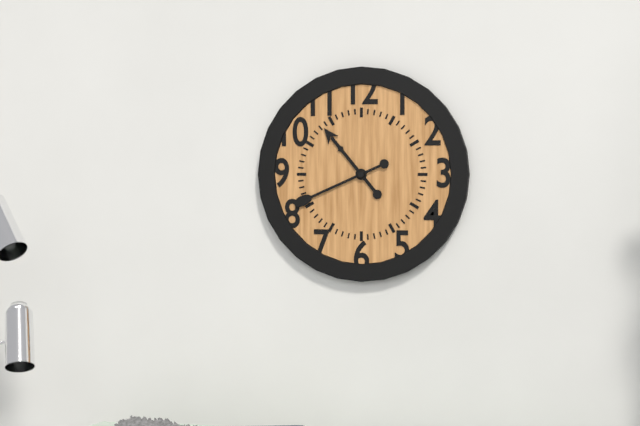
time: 10:41
